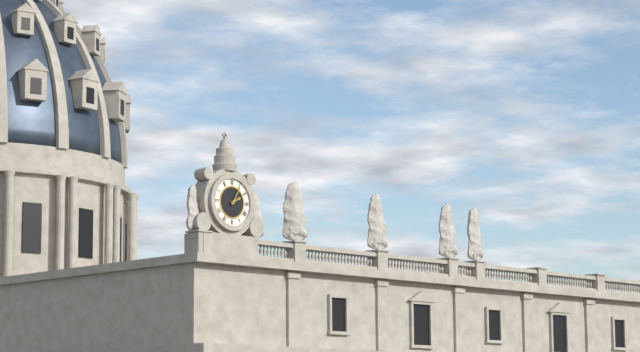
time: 2:05
